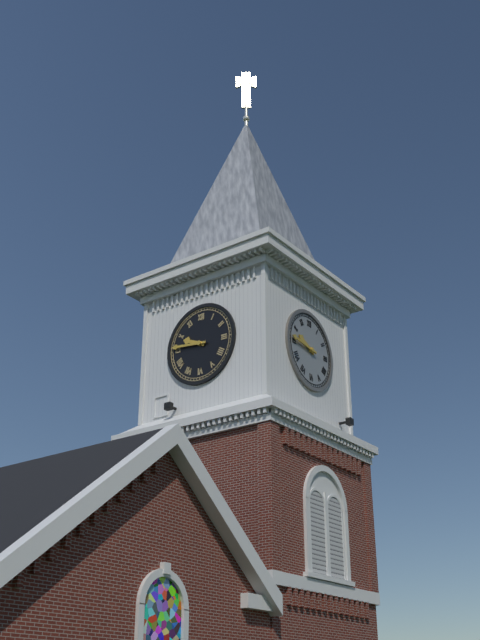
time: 9:46
